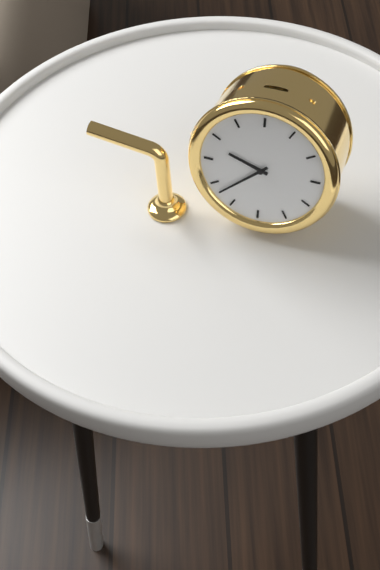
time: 9:38
